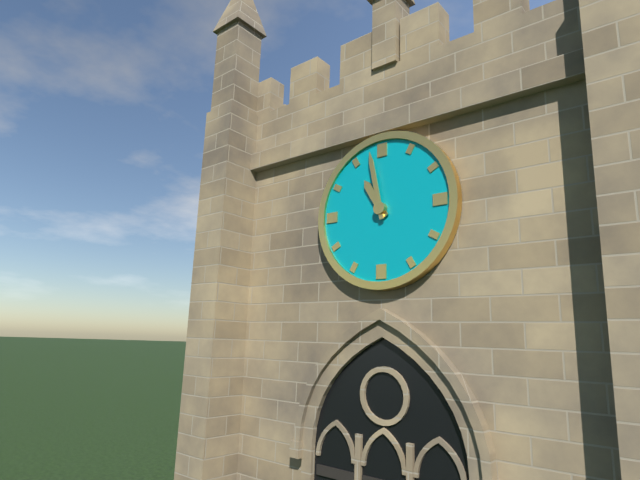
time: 10:58
